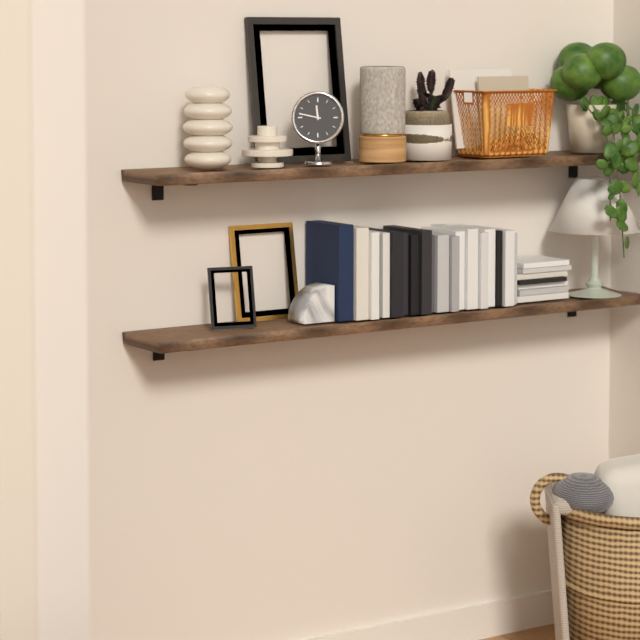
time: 11:47
